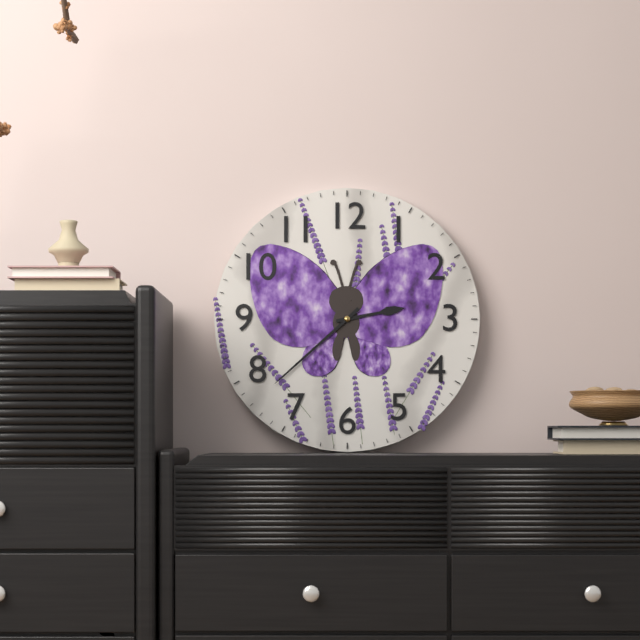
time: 2:38
